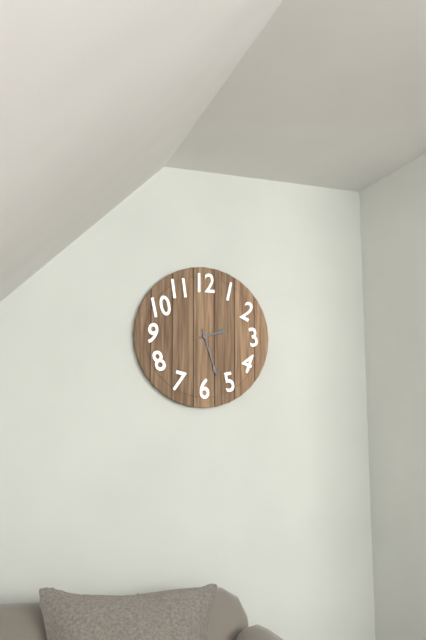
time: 2:27
